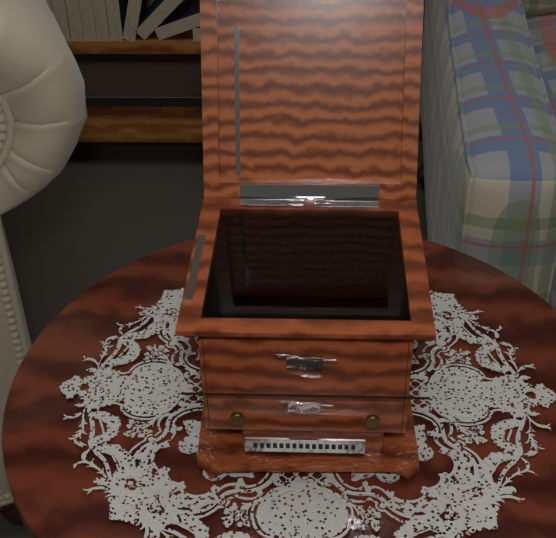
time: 4:55
